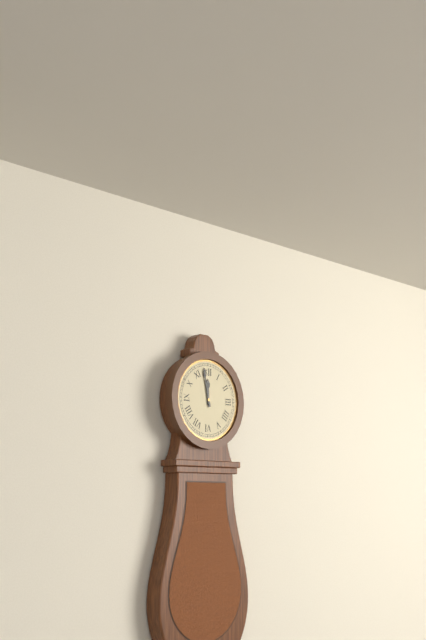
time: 11:58
